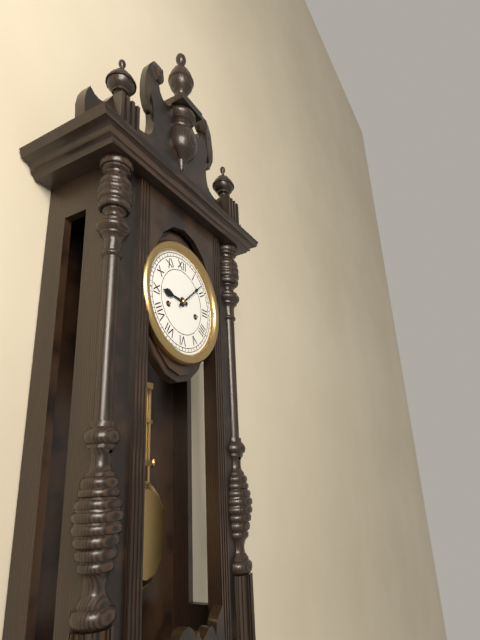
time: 9:08
